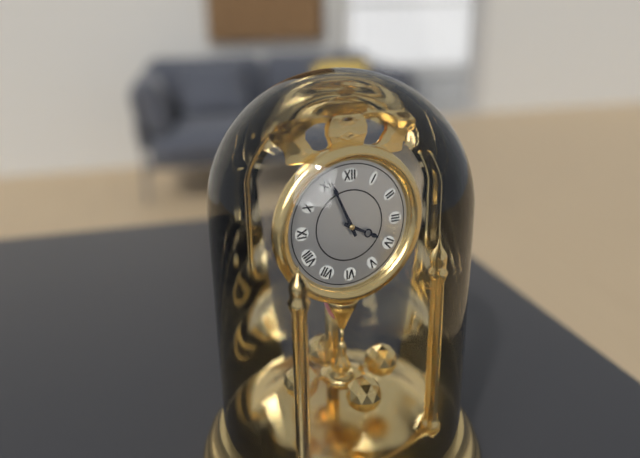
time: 3:56
